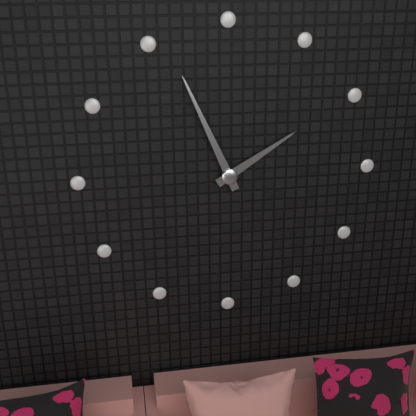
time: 1:56
